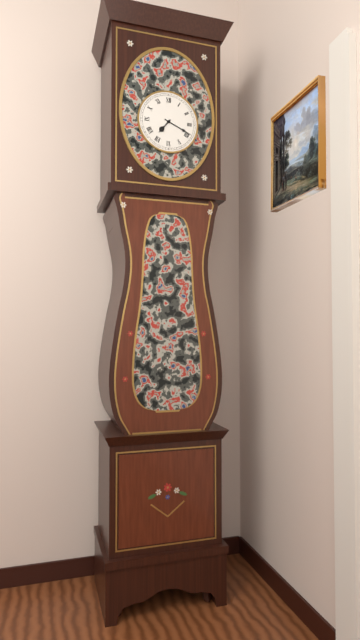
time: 7:19
